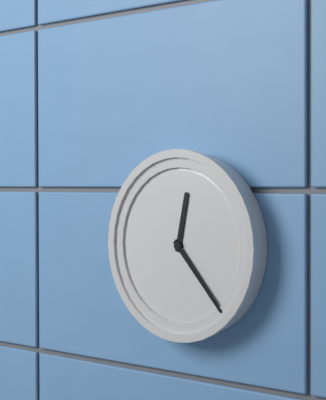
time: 12:23
